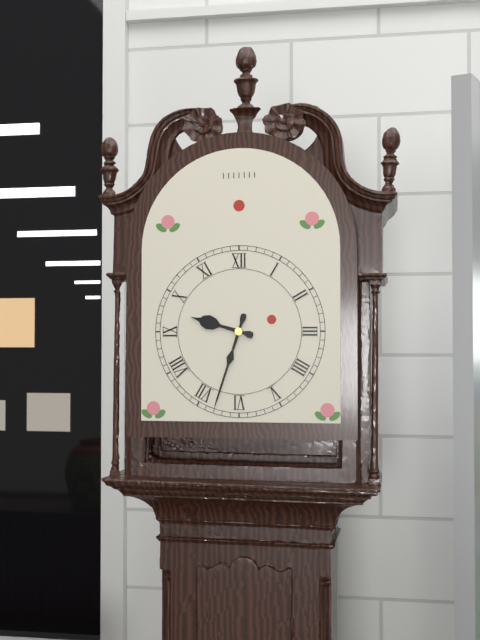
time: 9:33
